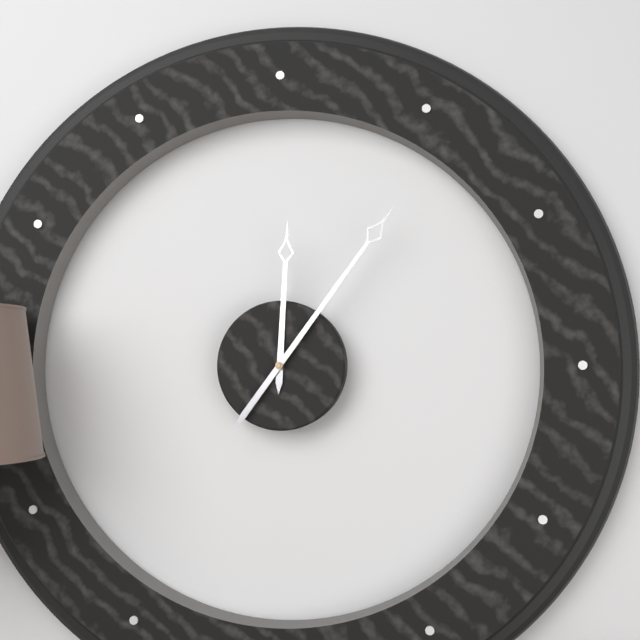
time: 12:06
